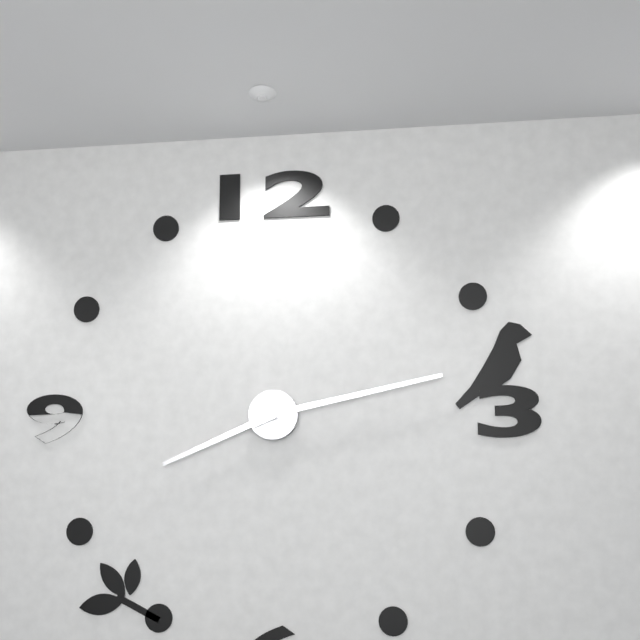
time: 8:13
